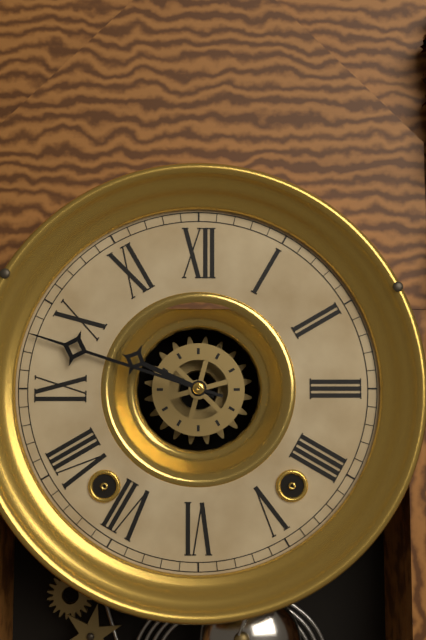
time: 9:48
